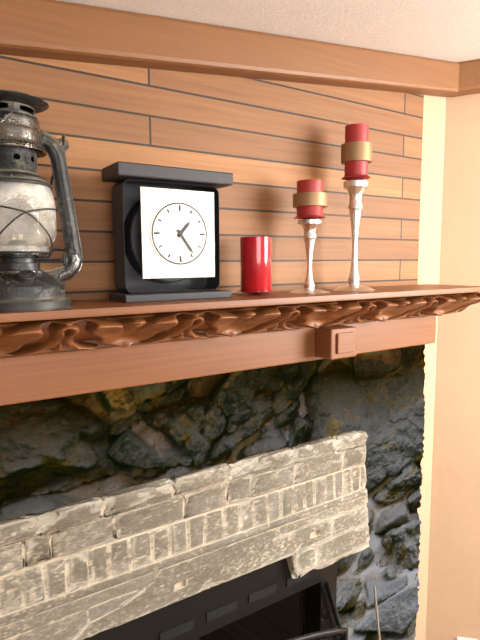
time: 1:24
